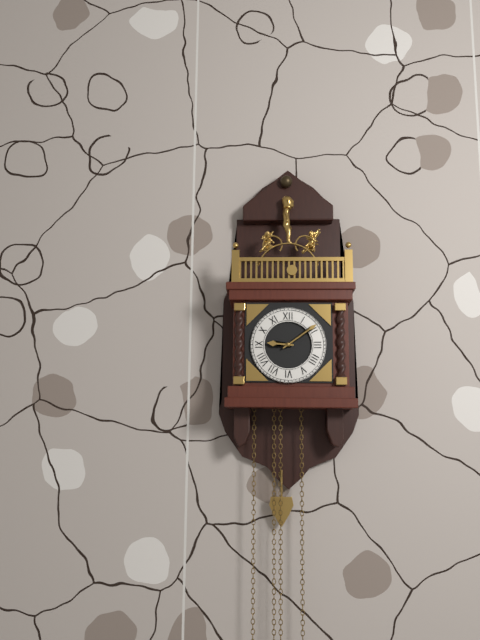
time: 9:09
